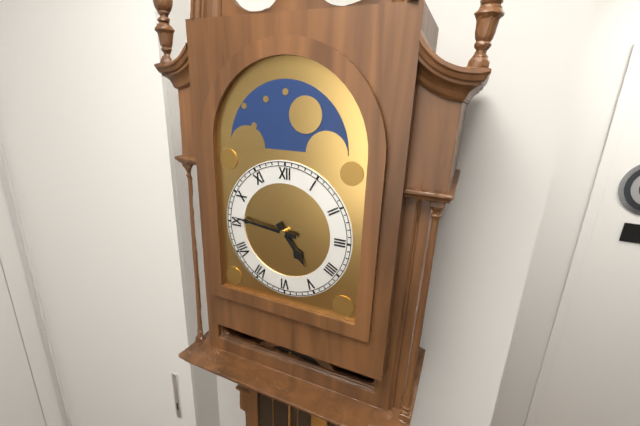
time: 4:46
